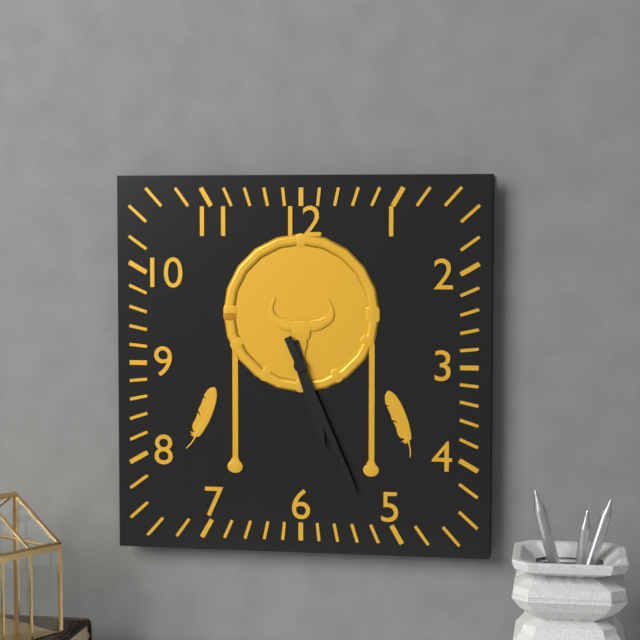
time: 5:26
